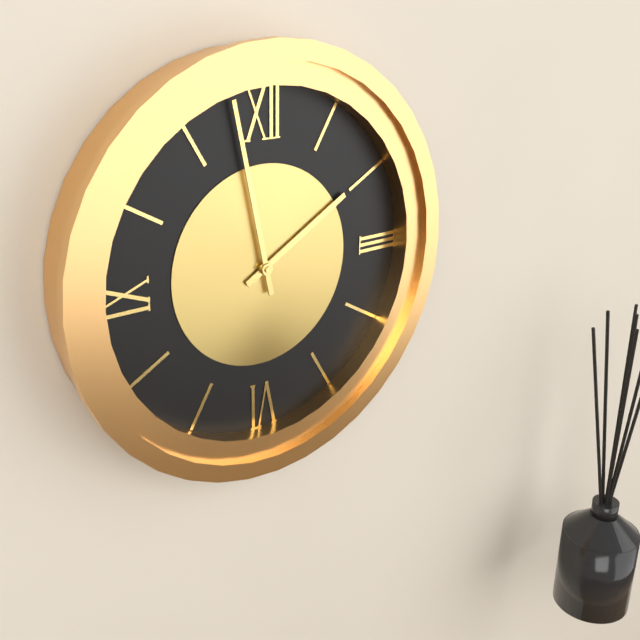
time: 1:58
